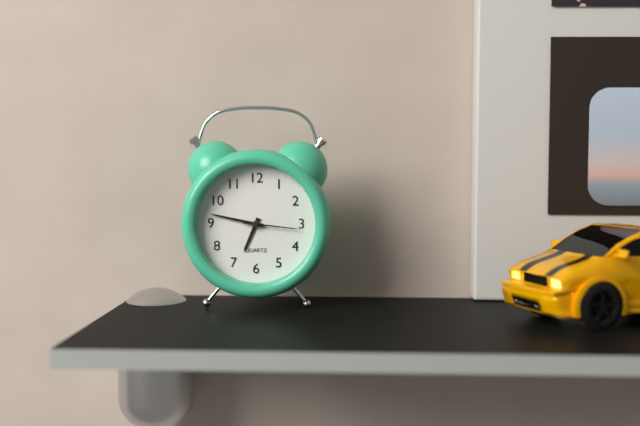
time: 6:47:16
